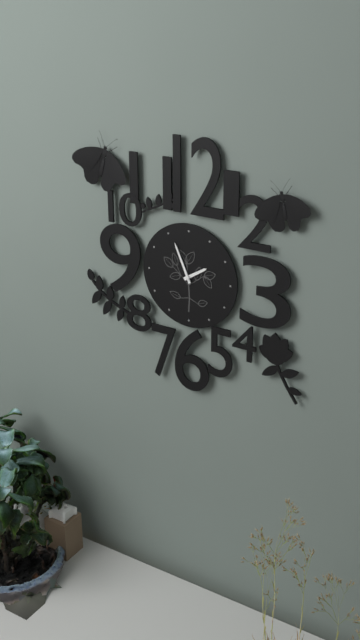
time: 1:56
